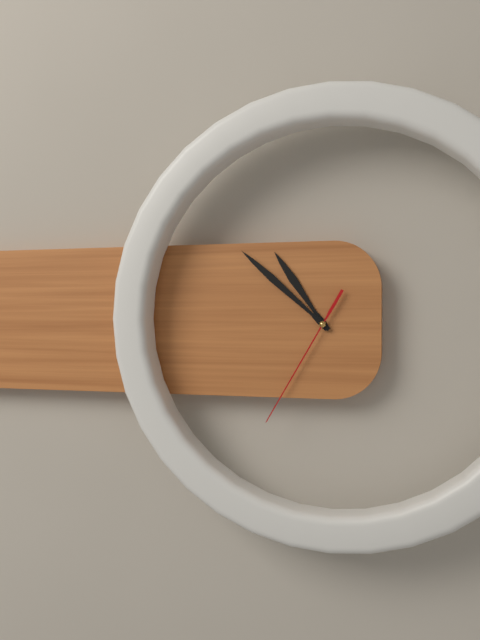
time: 10:52:35
